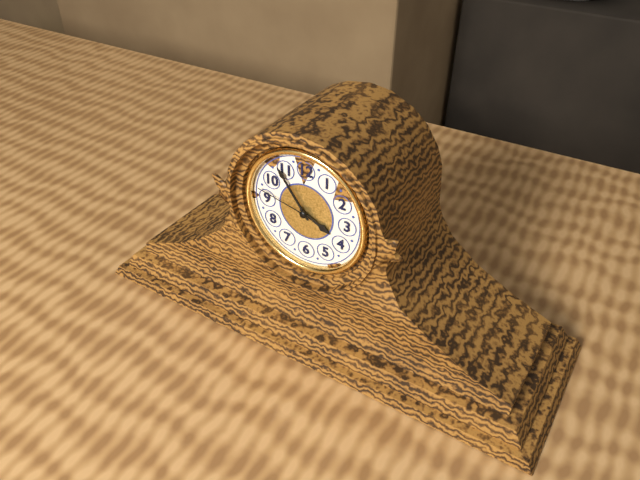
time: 3:54:47
